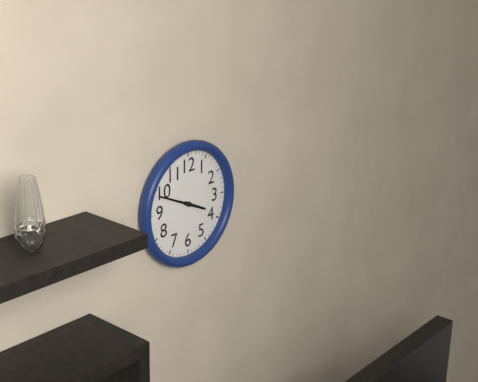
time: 3:49
